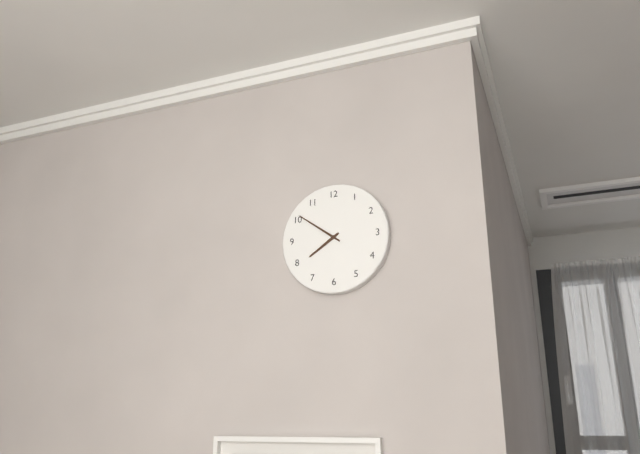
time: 7:51
